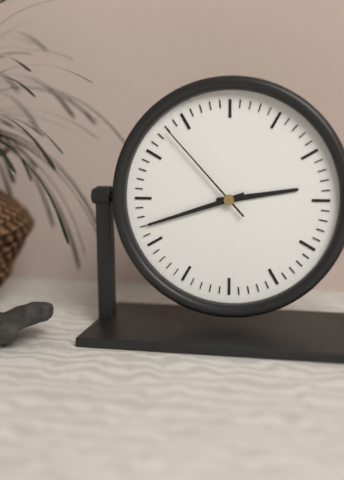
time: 2:42:53
